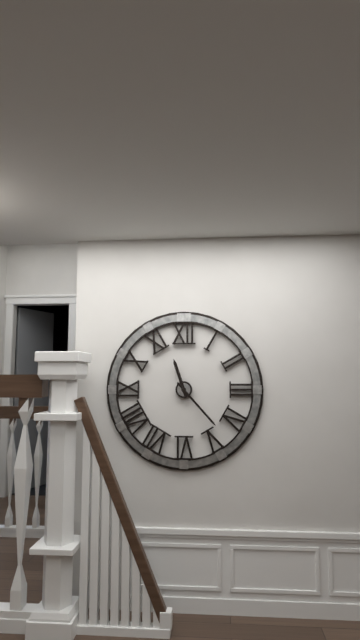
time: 11:23
